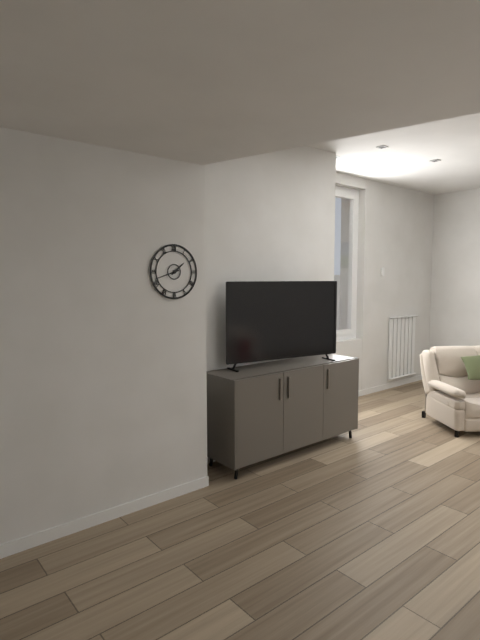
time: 1:42
